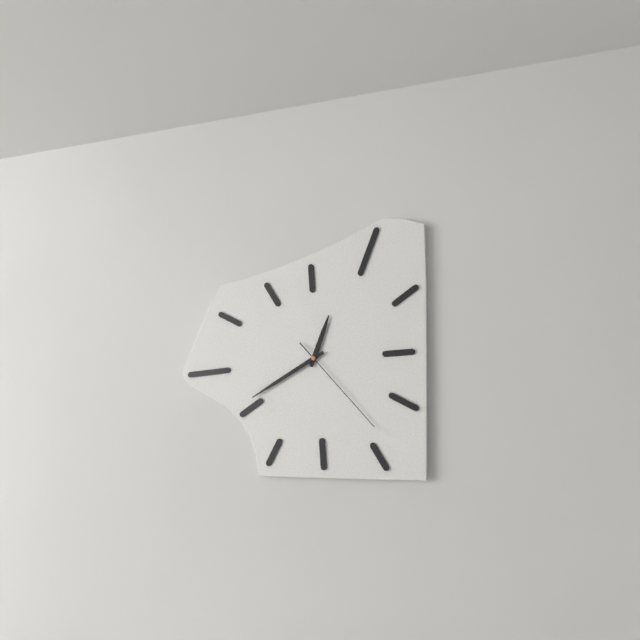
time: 12:40:23
